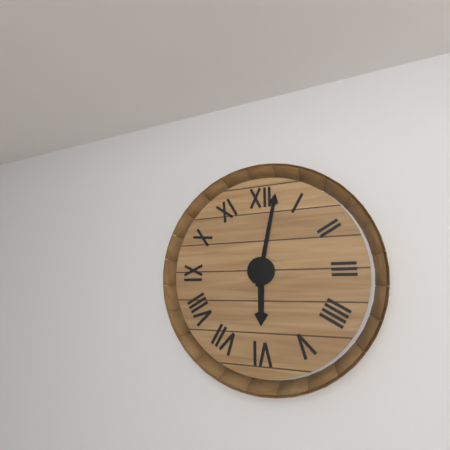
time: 6:02
